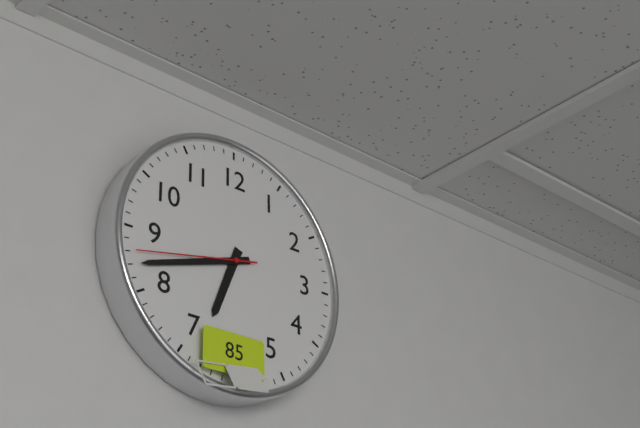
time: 6:42:43
